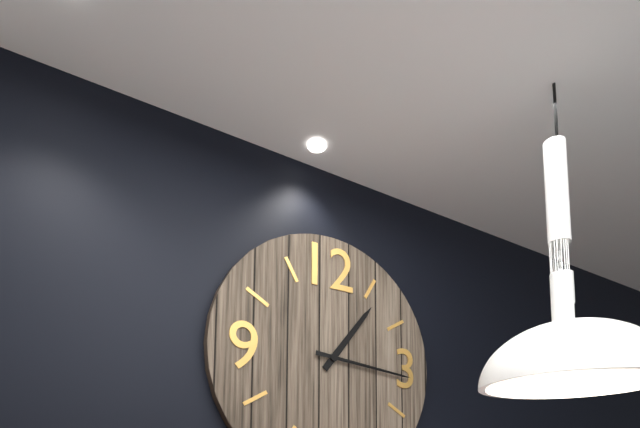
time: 1:16
